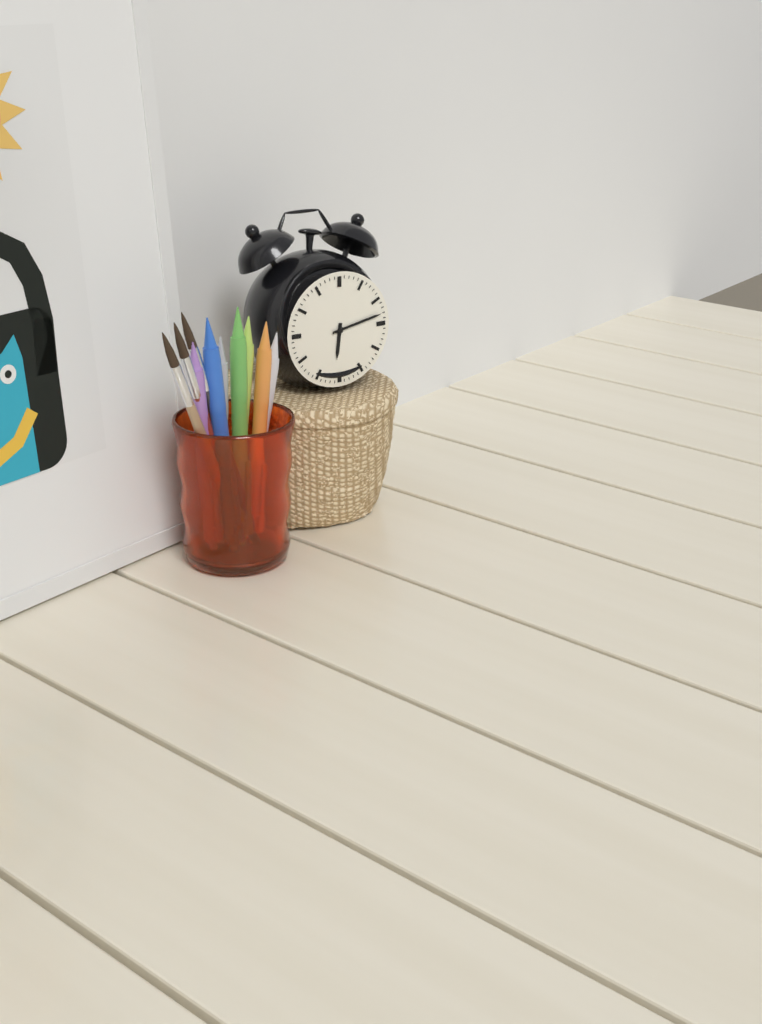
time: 6:13
